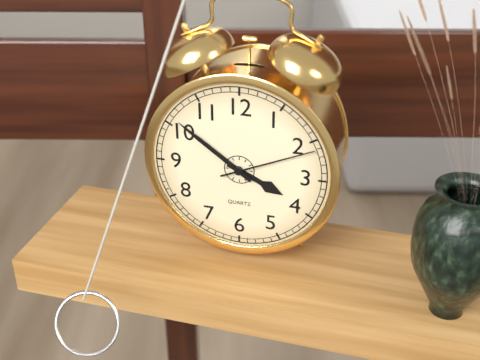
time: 3:51:11
